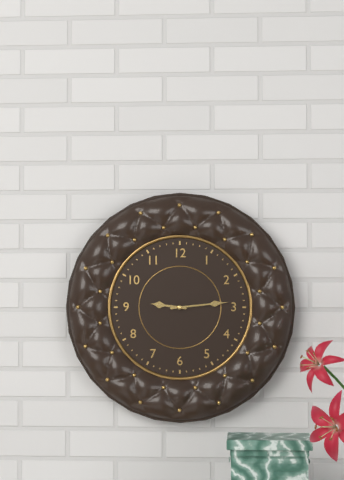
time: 9:14
